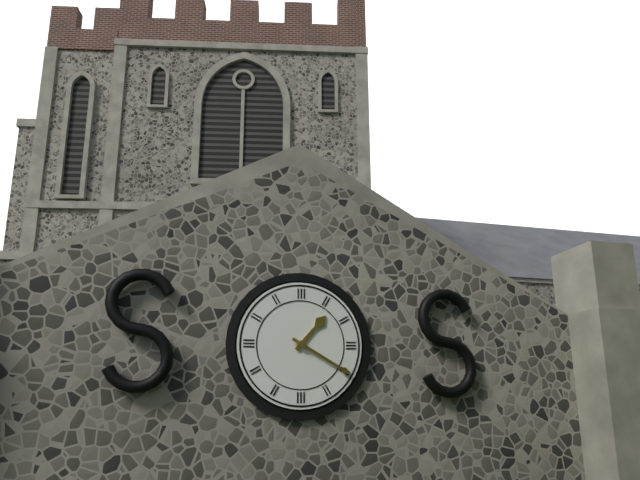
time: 1:20
